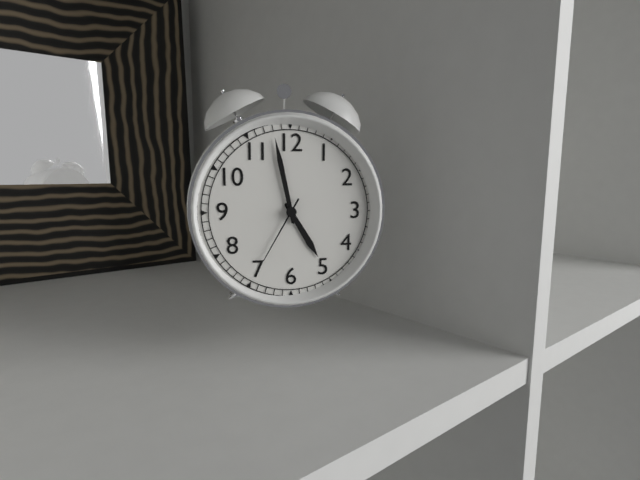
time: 4:58:35
